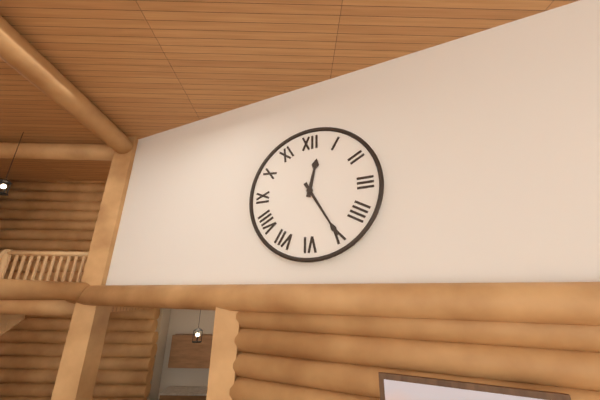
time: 12:25
